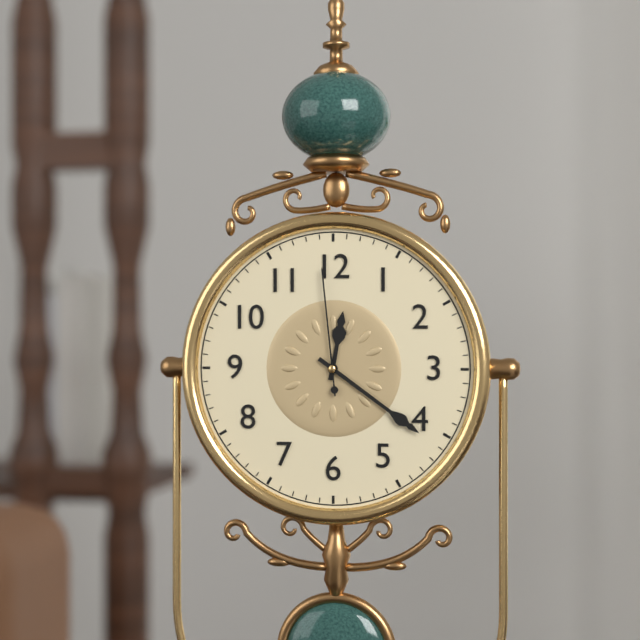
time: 12:21:59
